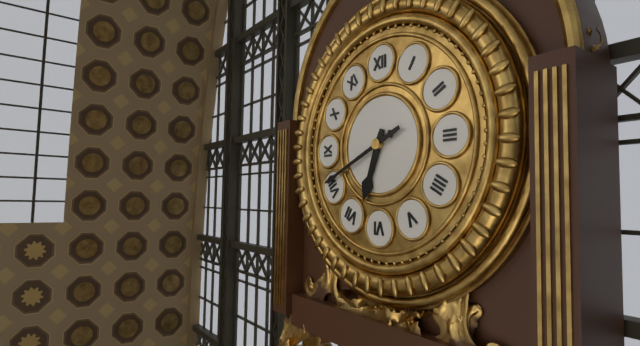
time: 6:41
